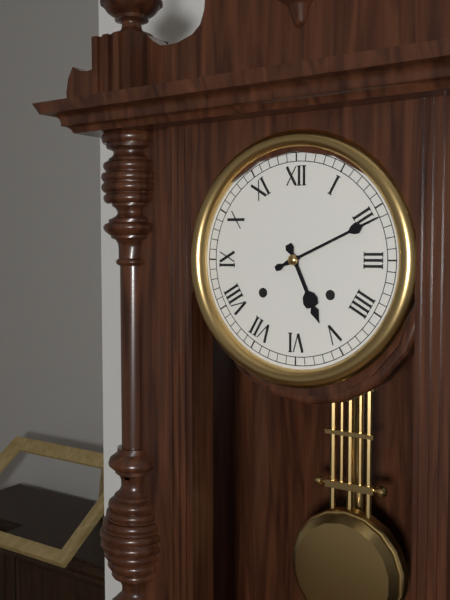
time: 5:11
